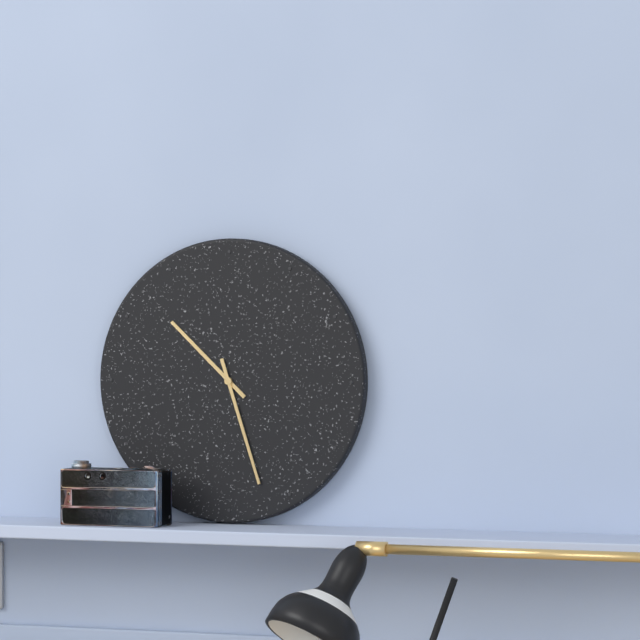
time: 10:27
